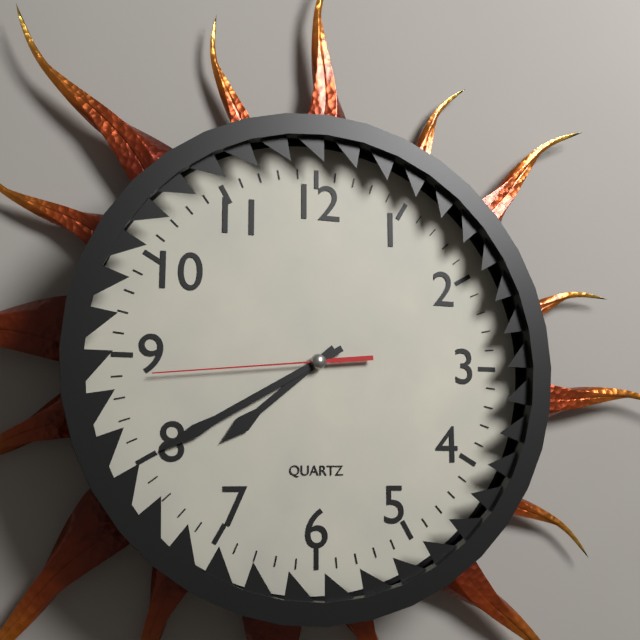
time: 7:40:44
